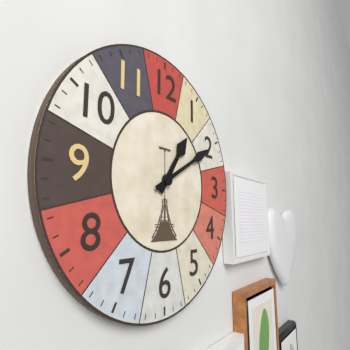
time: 1:10
